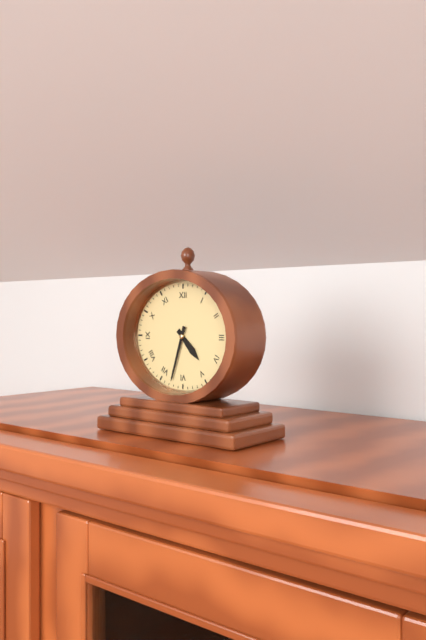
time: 4:33
